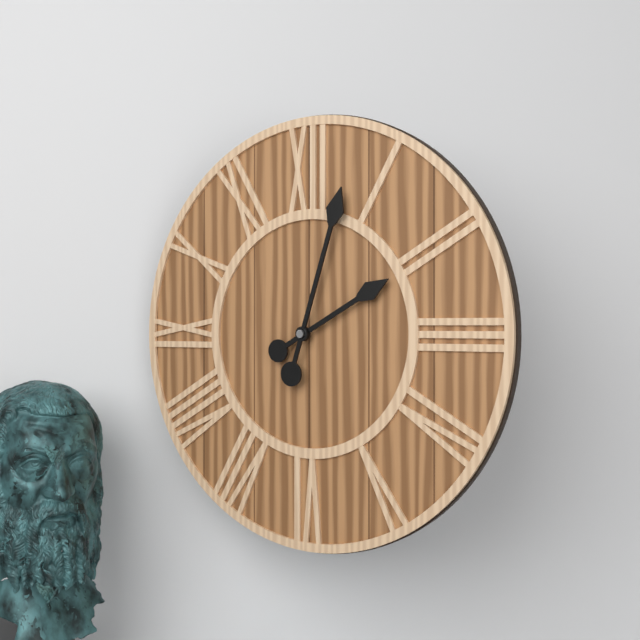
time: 2:03
